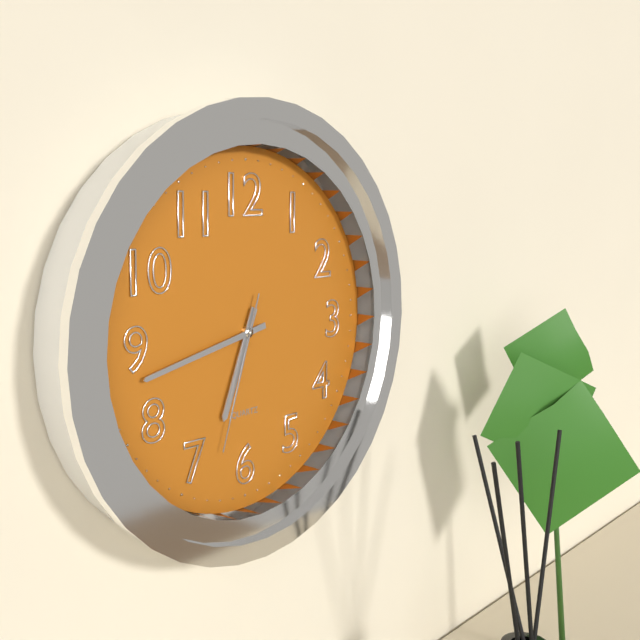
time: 6:43:33
